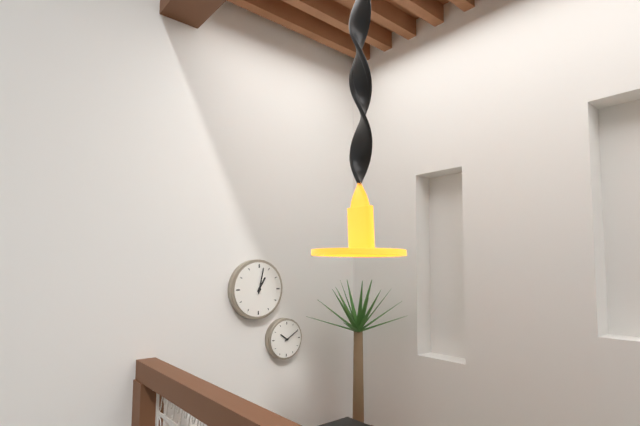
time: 1:02
